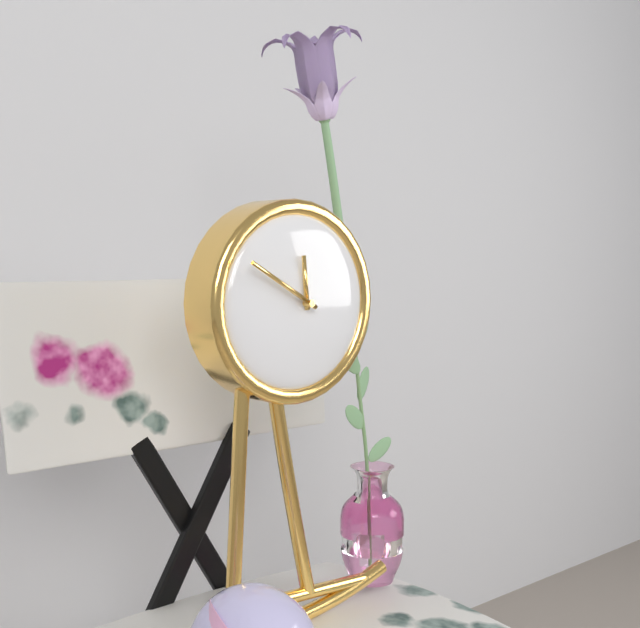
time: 11:50
